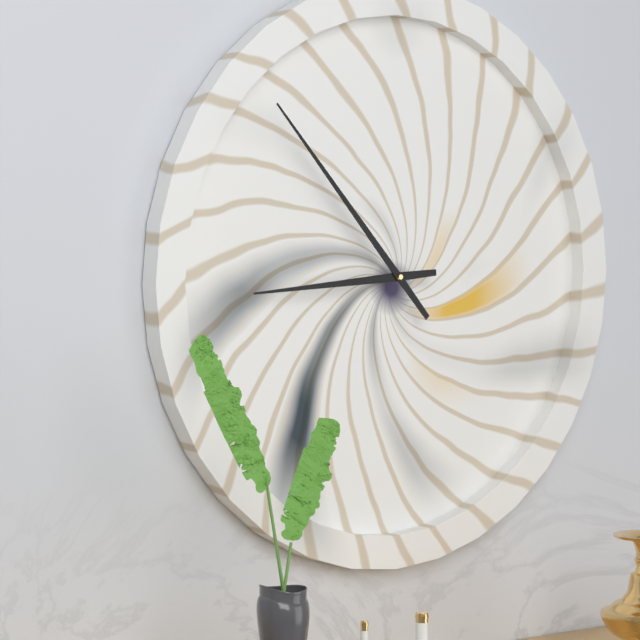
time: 8:53
